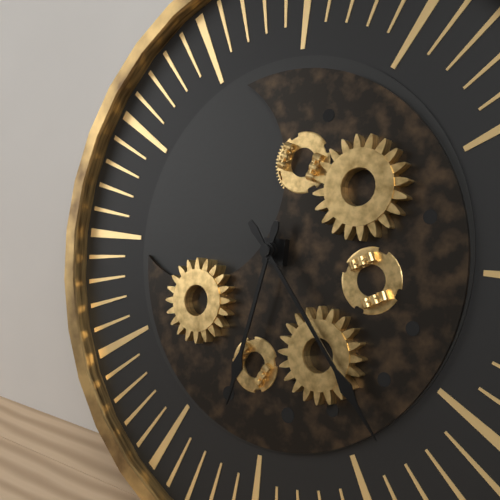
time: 6:23
